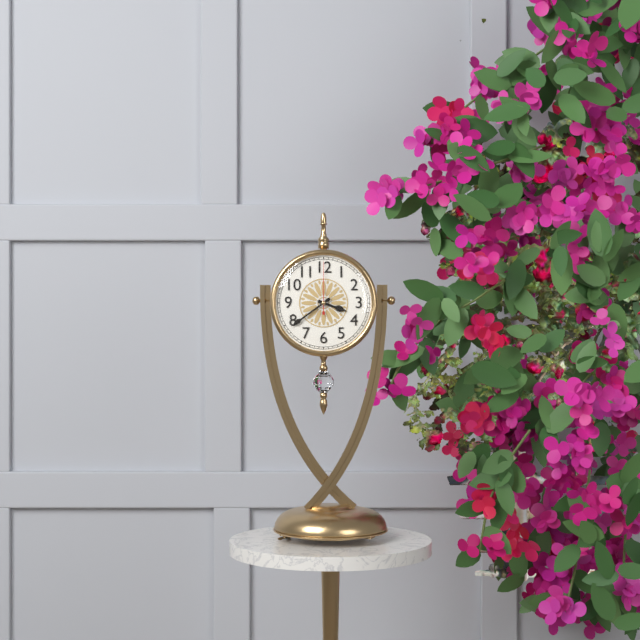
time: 3:39:00
